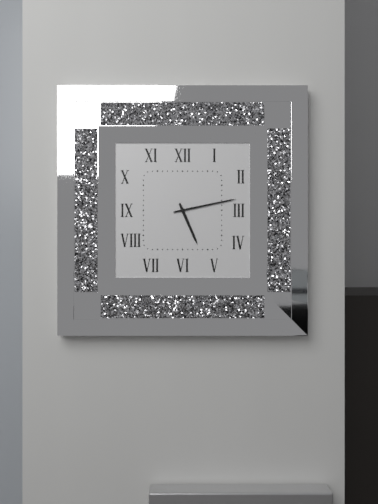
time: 5:13
